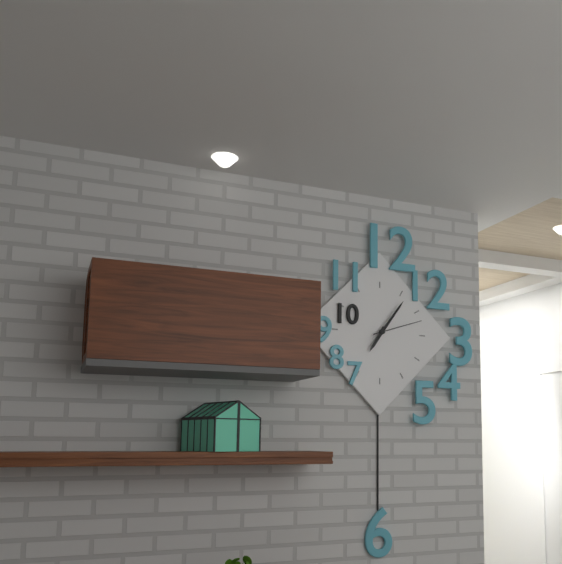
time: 7:06:12
